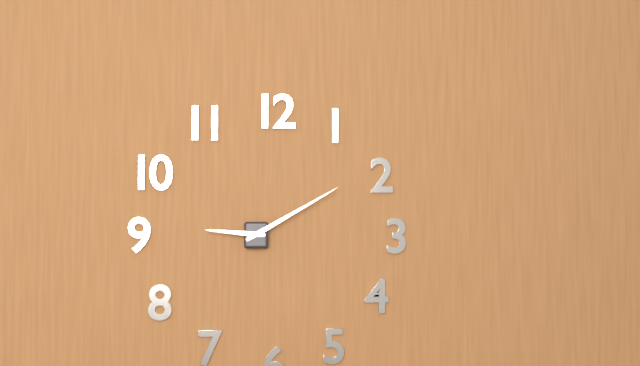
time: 9:10
